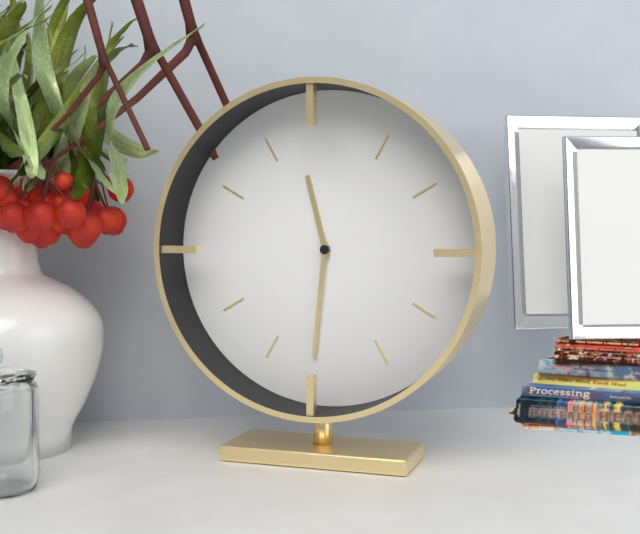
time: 11:31
